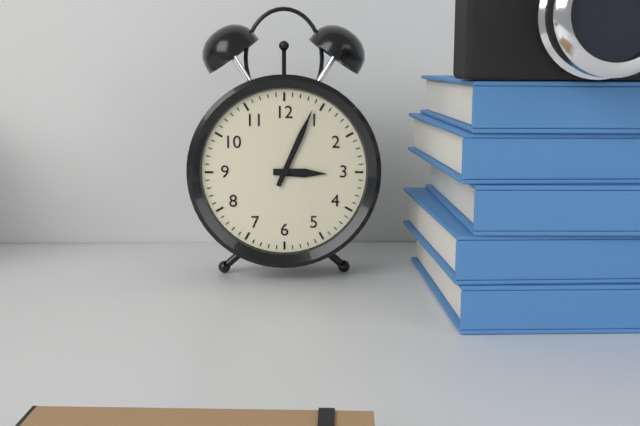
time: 3:04
